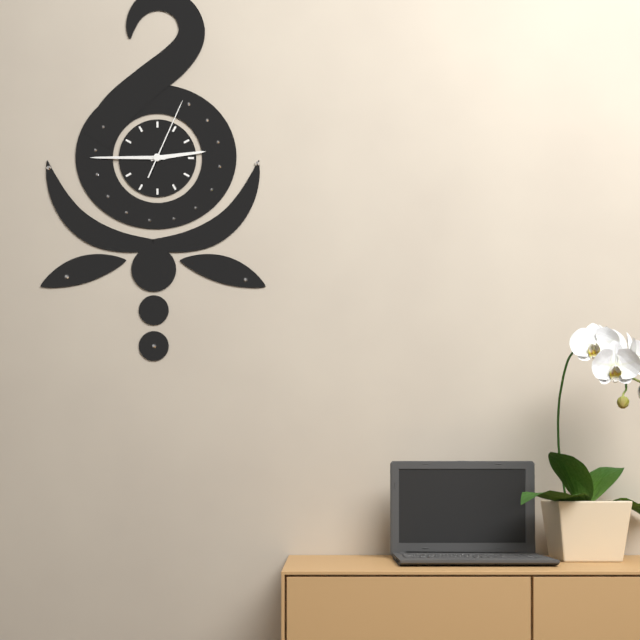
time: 2:45:04
